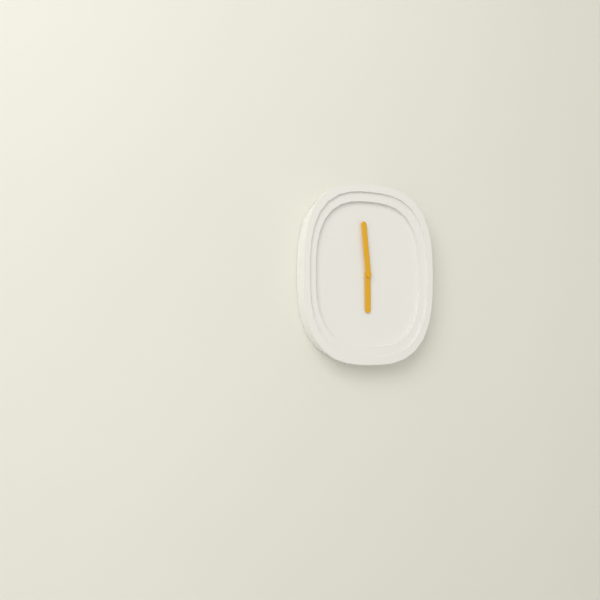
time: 5:59
